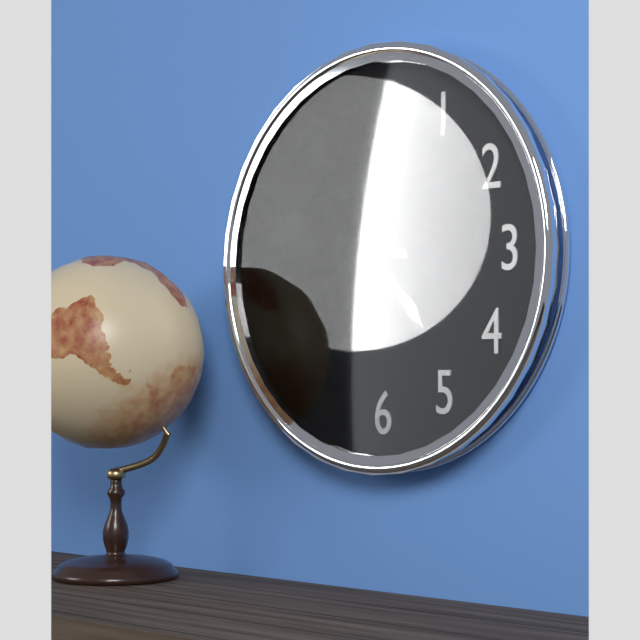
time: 4:44
